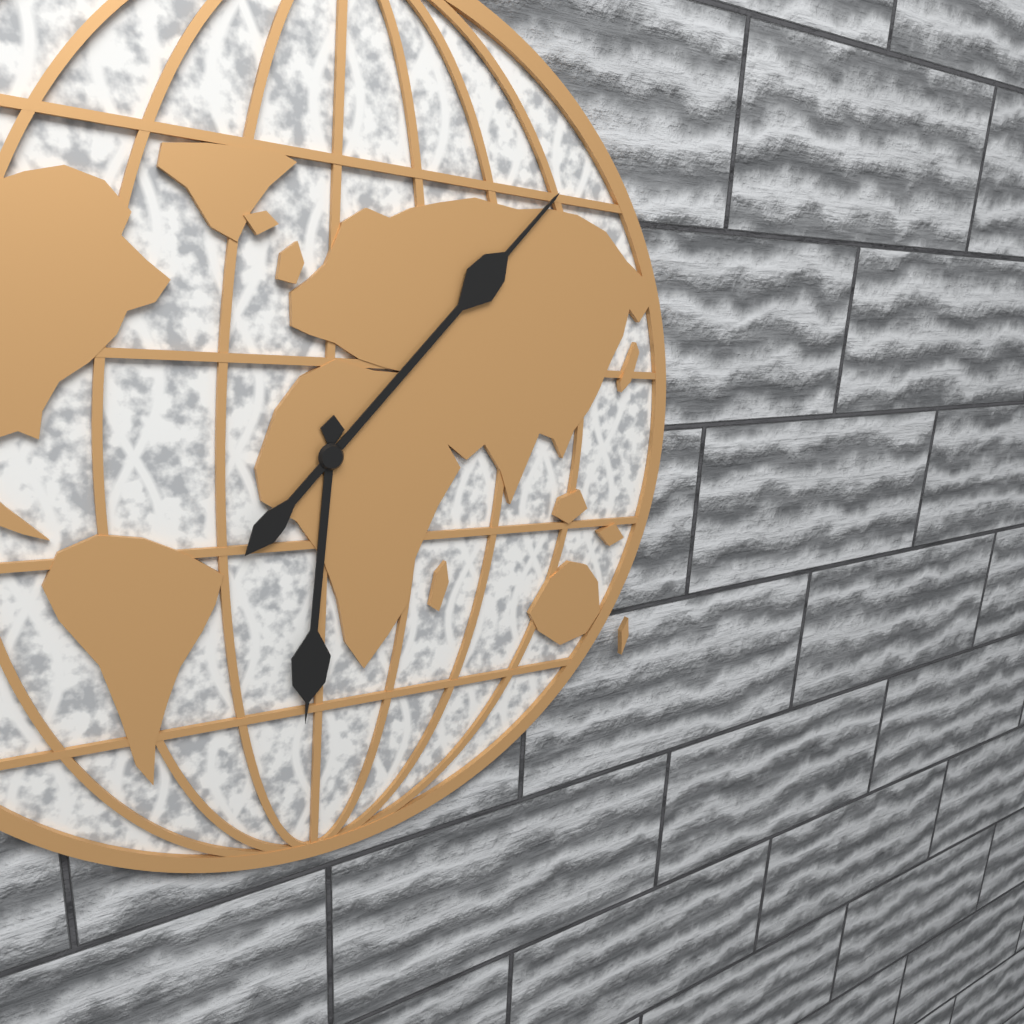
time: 6:07
